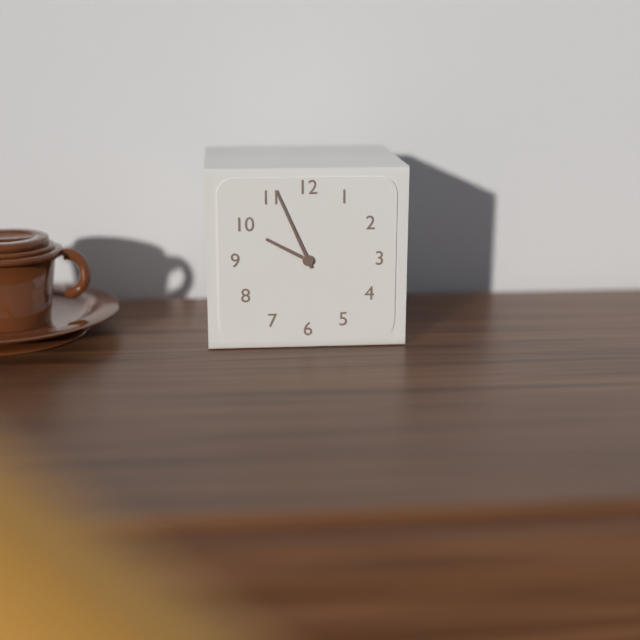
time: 9:56
